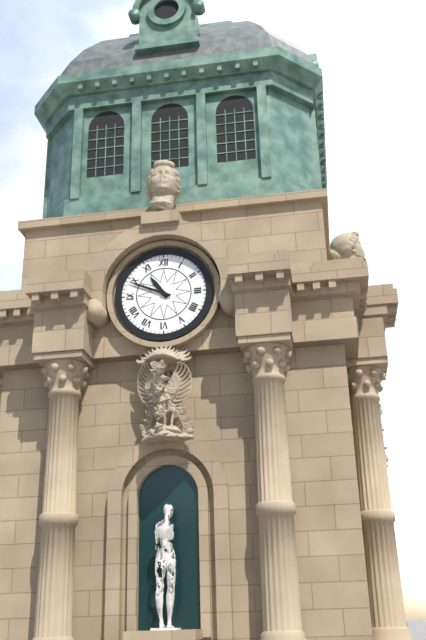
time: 10:49
